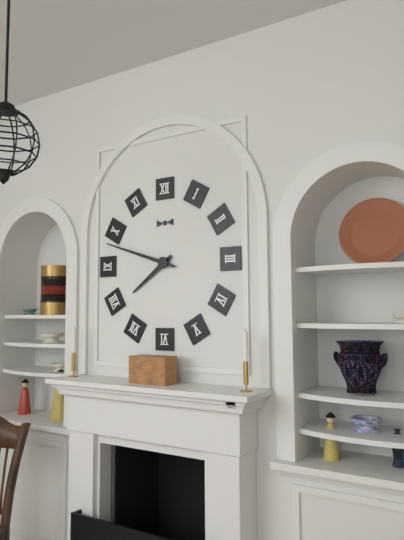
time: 7:48
